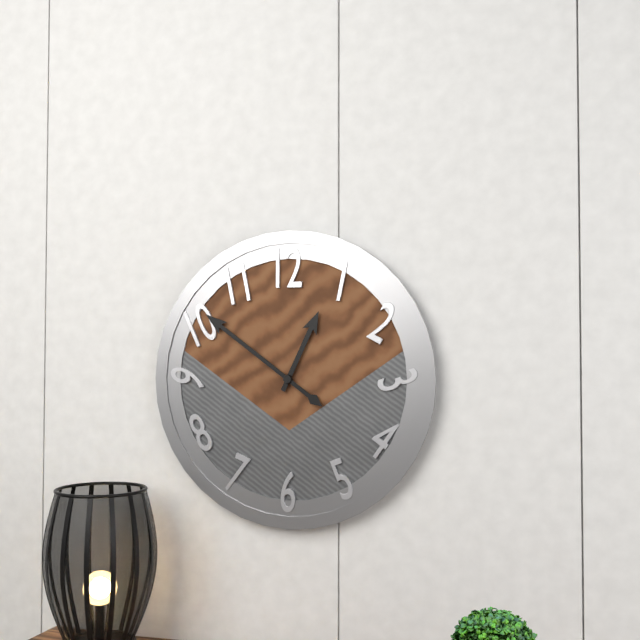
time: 12:51
